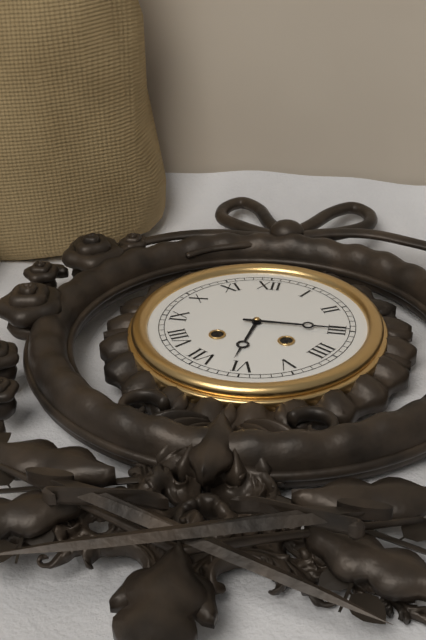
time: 6:15
